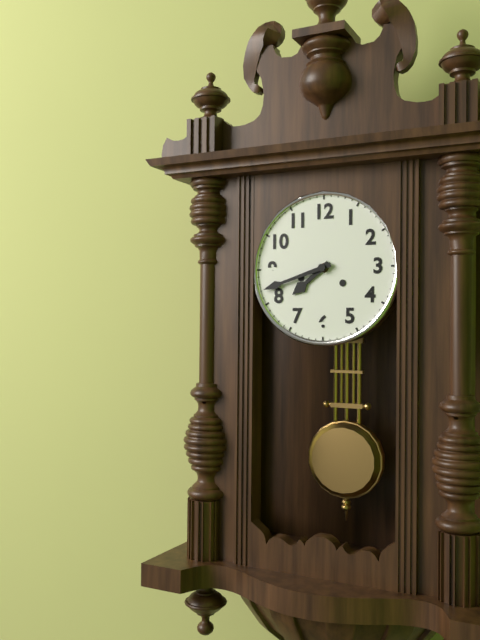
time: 7:42
